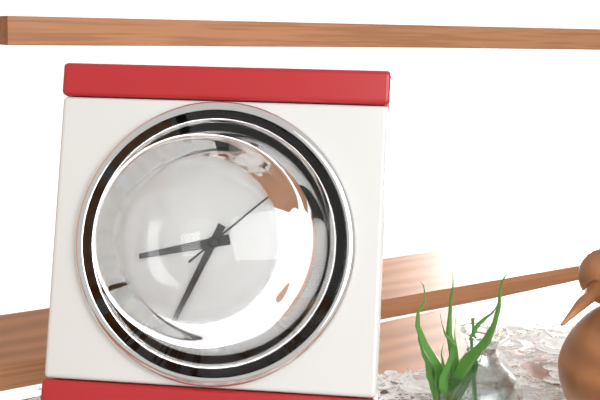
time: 8:34:08
